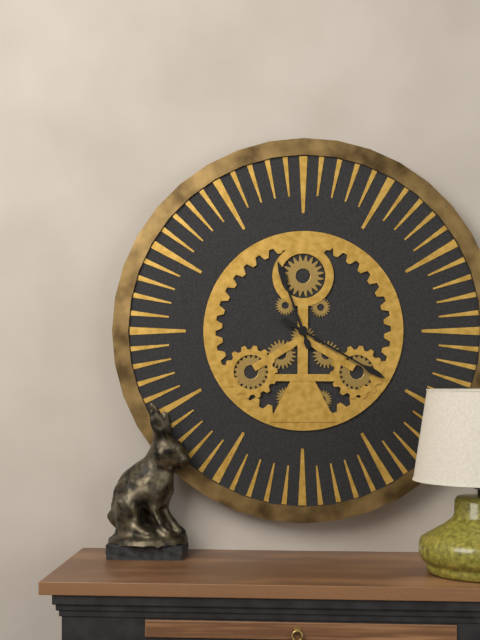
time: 11:20
